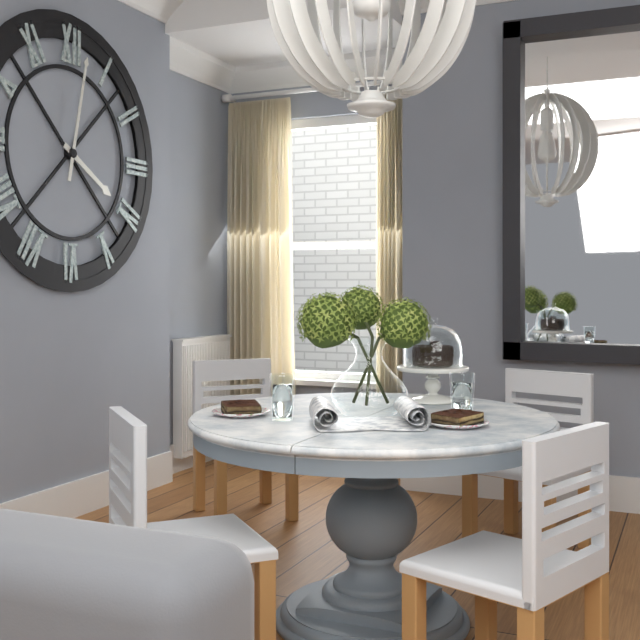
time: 4:02
